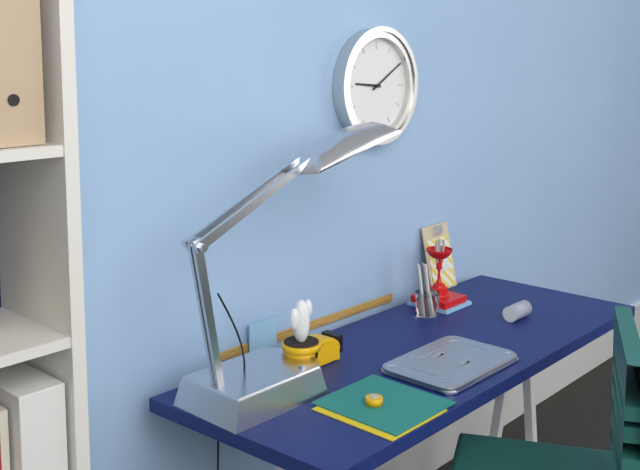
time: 9:10
